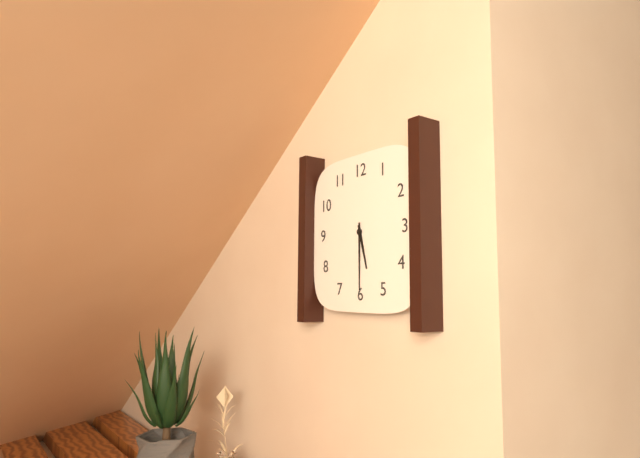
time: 5:30
